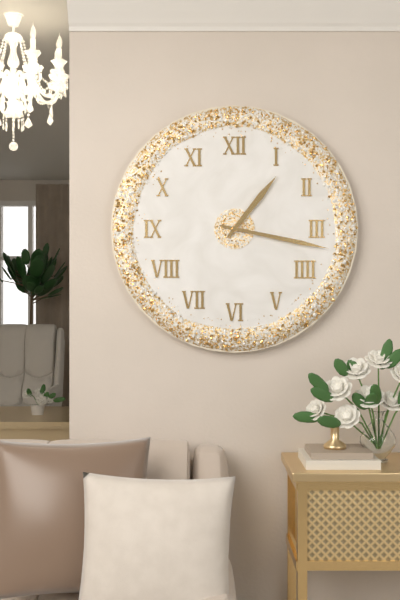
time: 1:17
